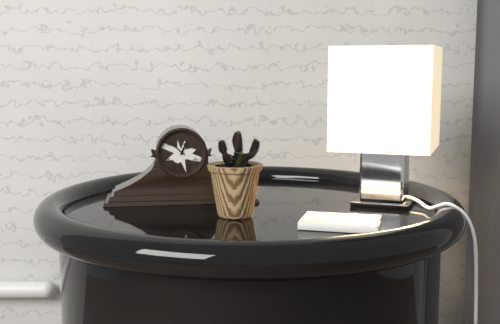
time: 12:52
